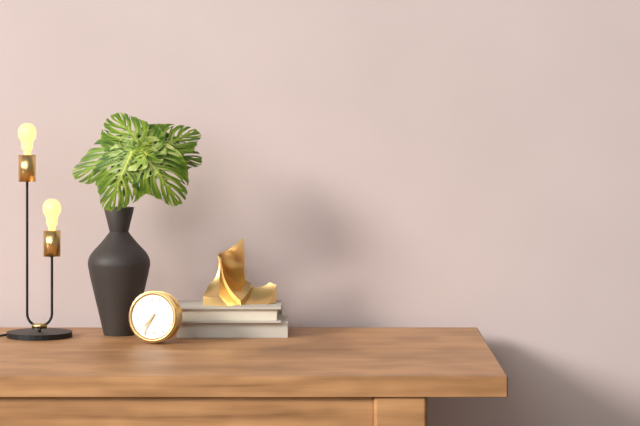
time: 7:36
